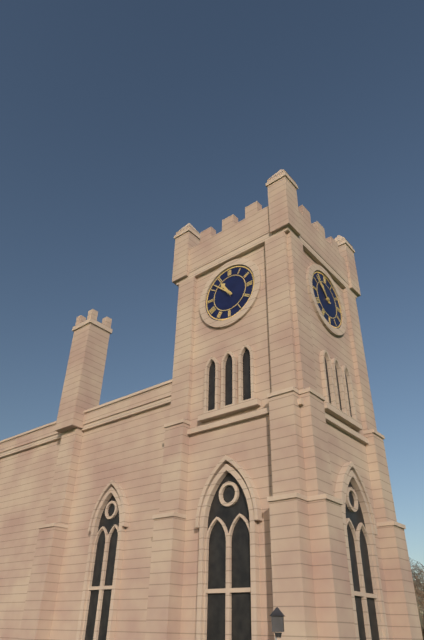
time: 10:52
